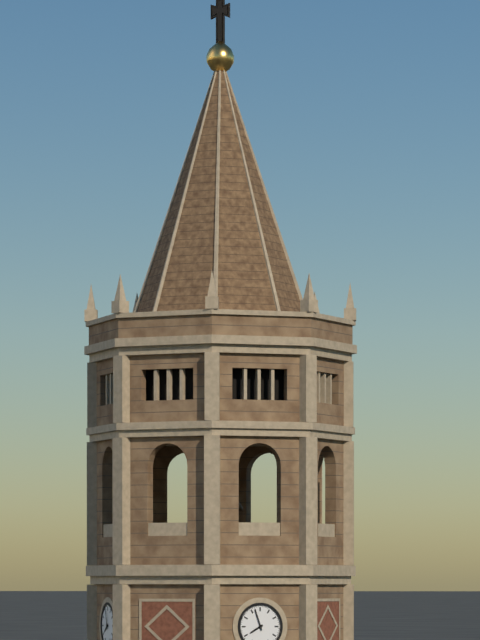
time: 7:57
